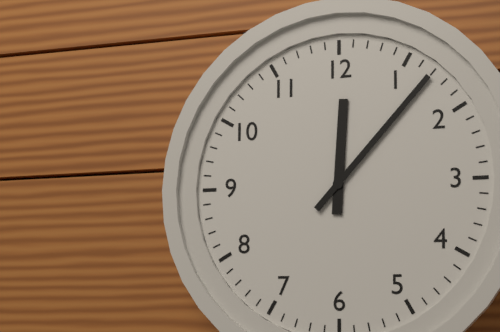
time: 12:07
